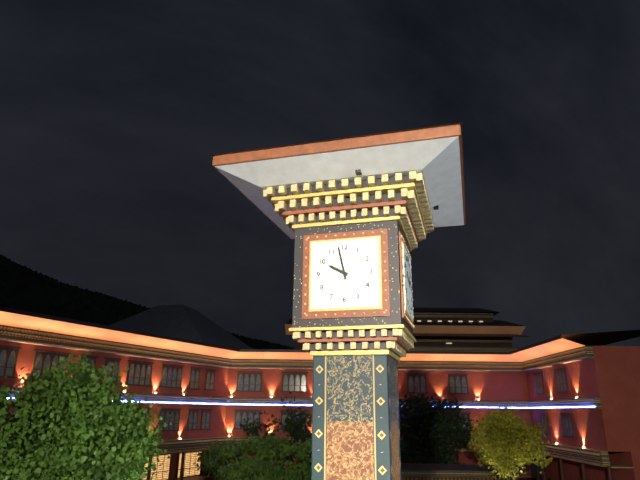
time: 9:58
